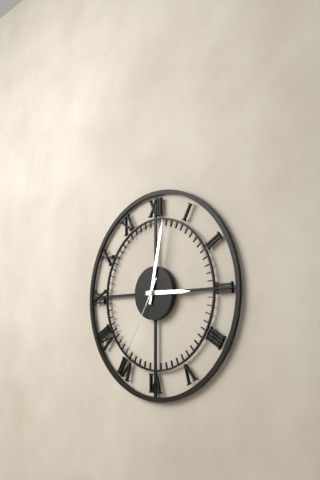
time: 3:02:35
